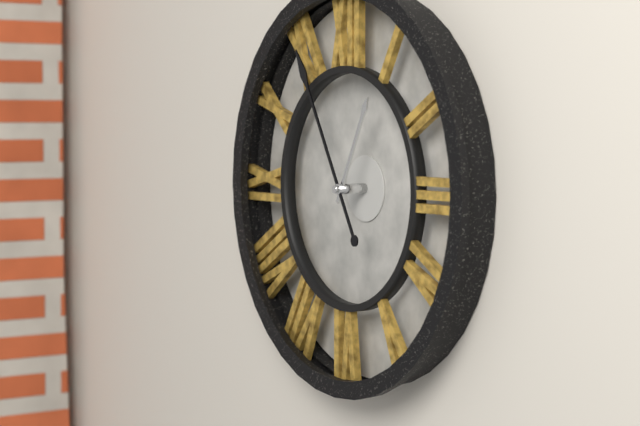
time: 12:55
